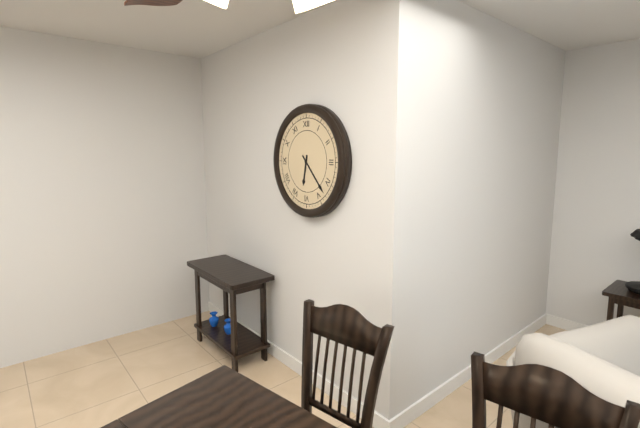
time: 6:23
